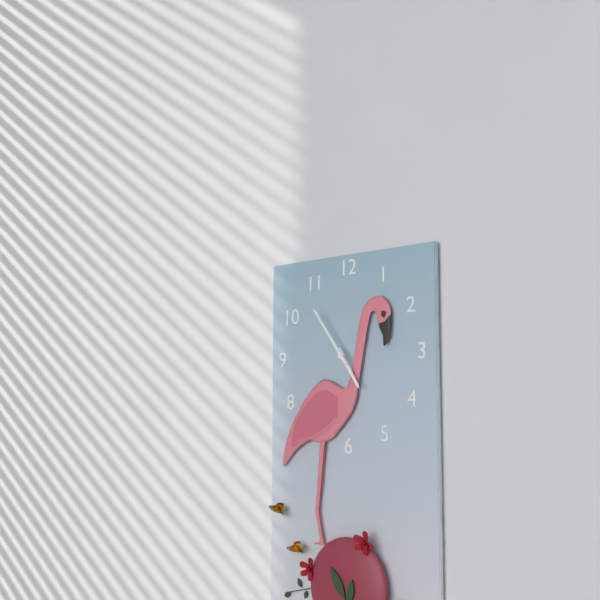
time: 4:54
